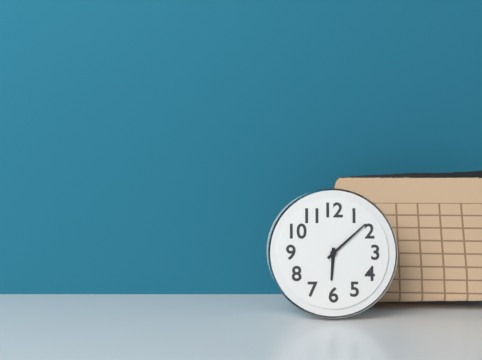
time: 6:08
